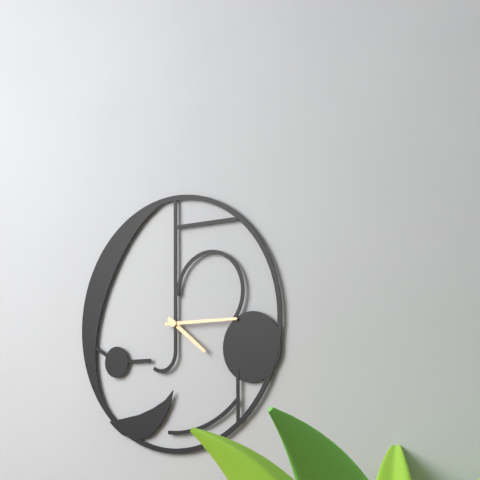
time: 4:15
